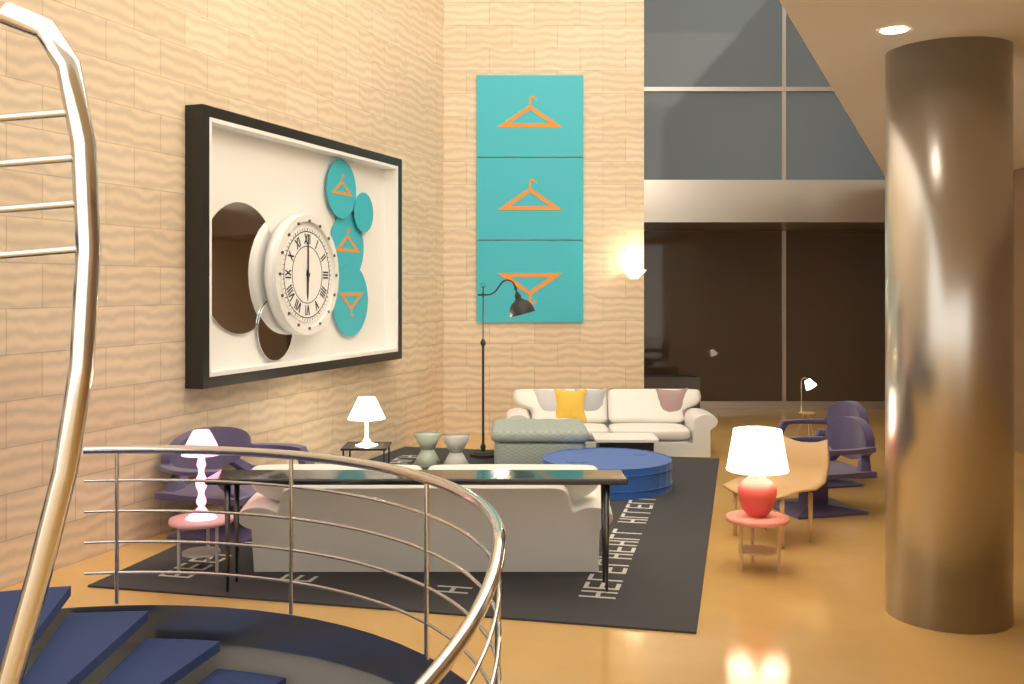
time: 6:00
